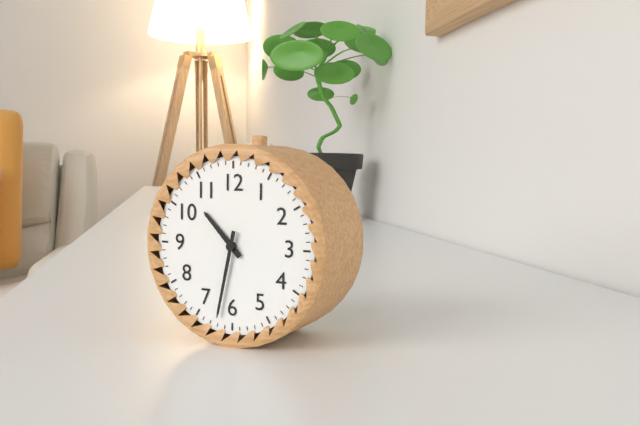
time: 10:32
